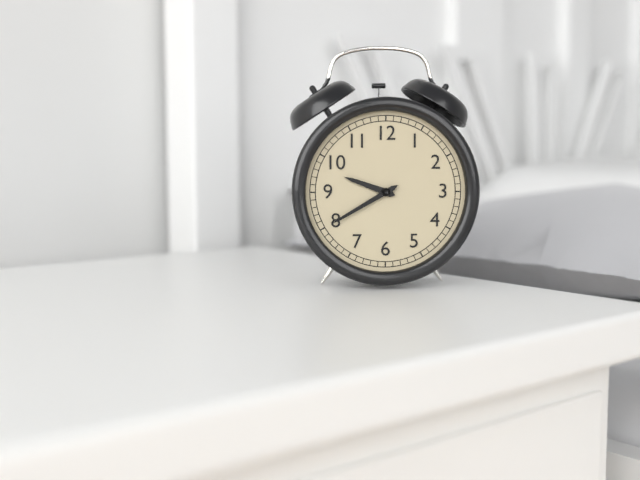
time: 9:40
